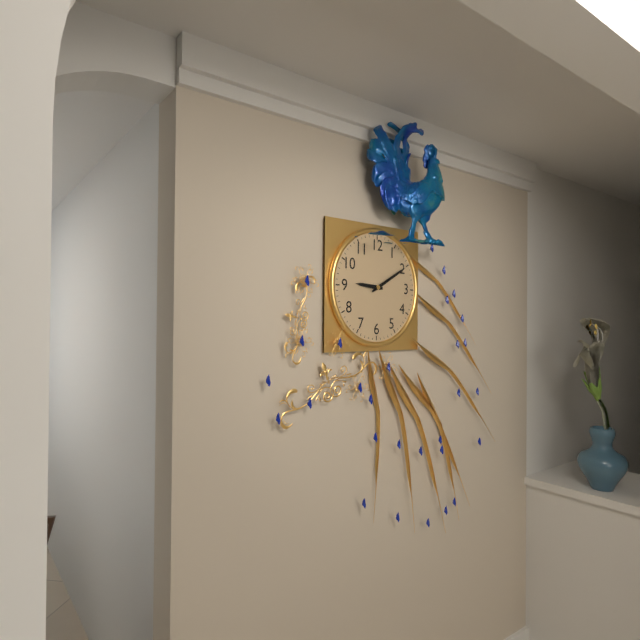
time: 9:10
